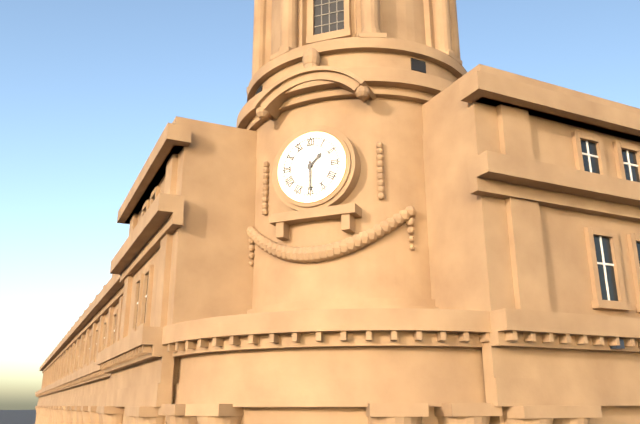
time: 1:30
